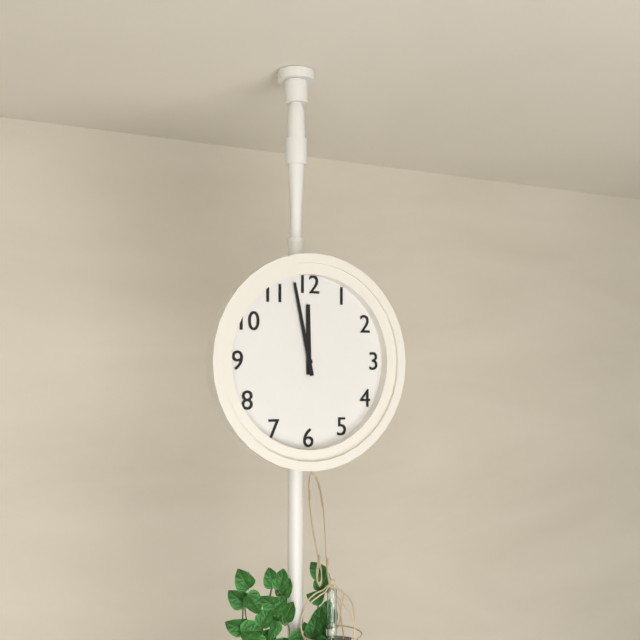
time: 11:58
